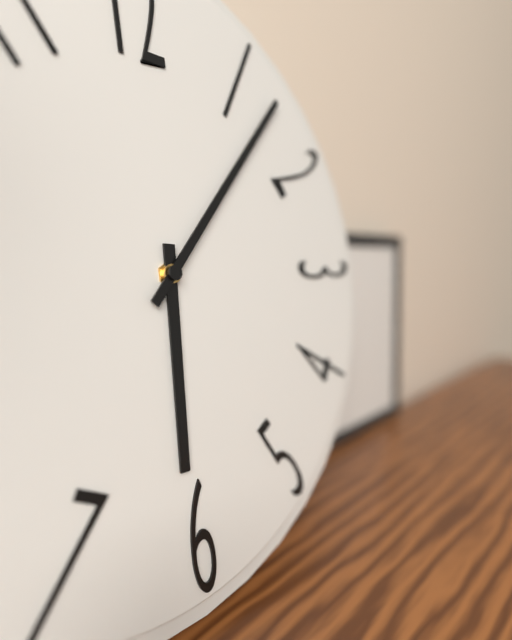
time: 6:07
